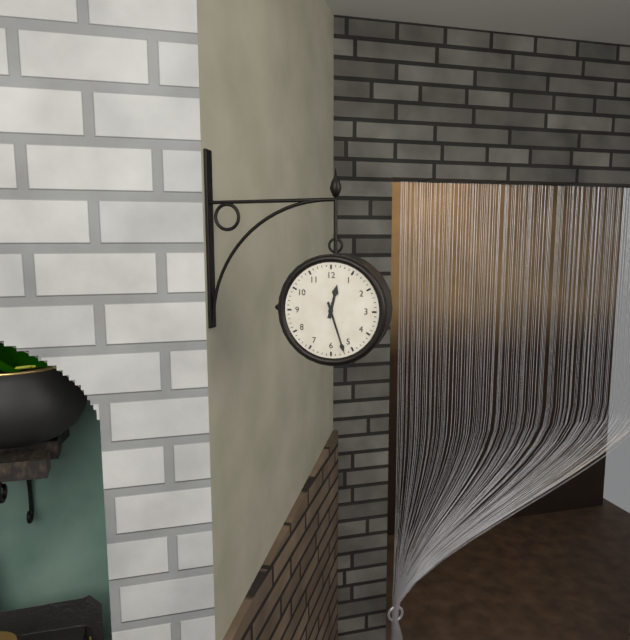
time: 12:27
